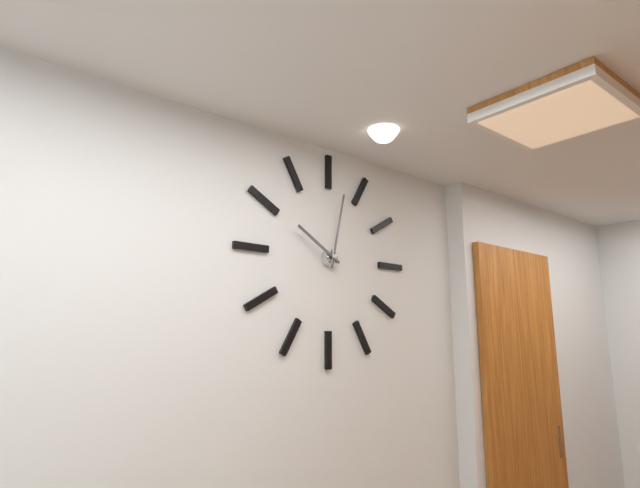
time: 10:02
